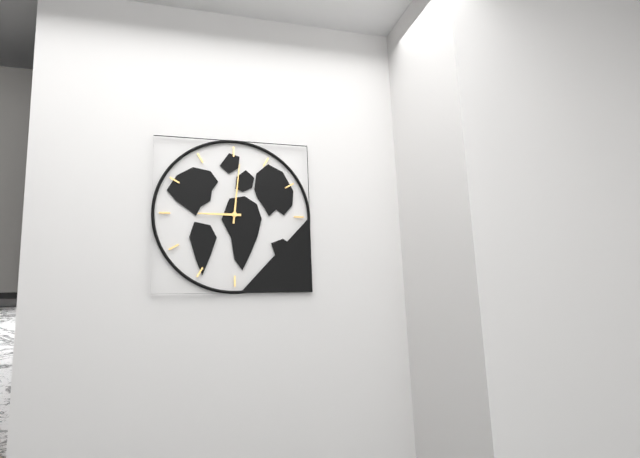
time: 9:01
